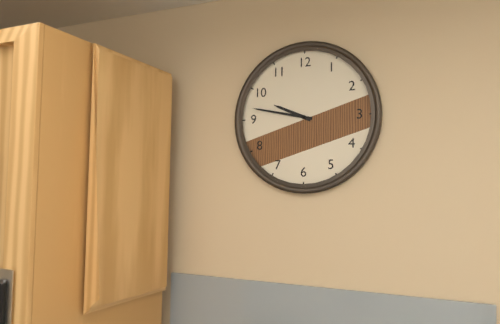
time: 9:47
